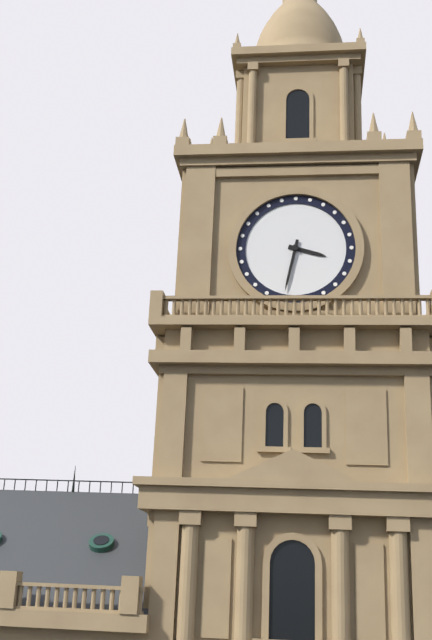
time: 3:32
